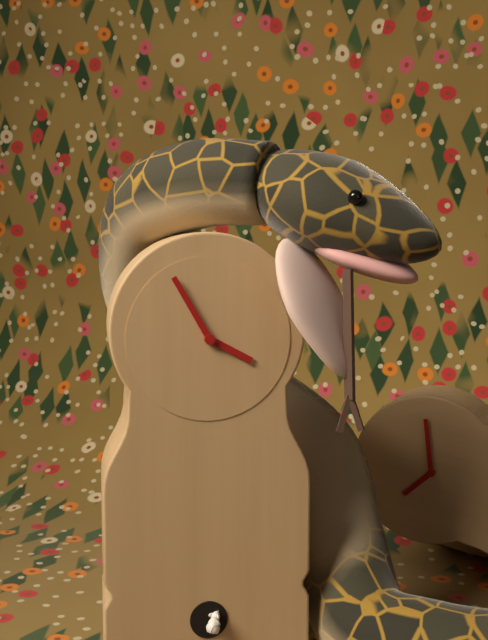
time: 3:55
